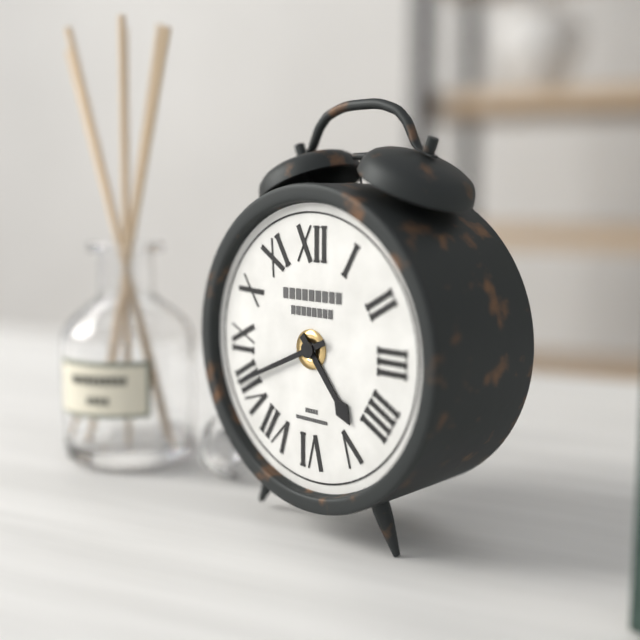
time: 4:41
